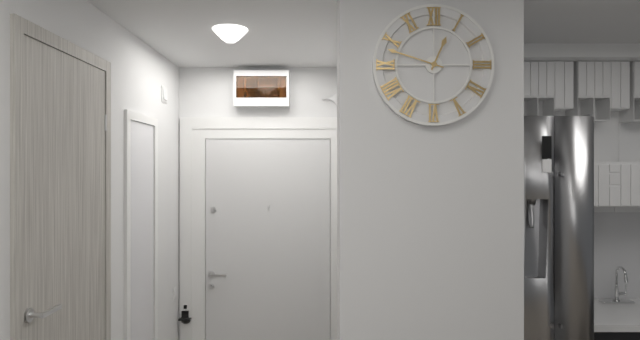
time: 12:48
